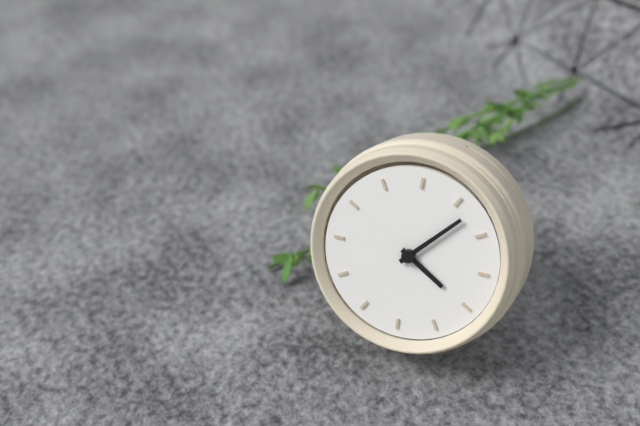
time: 3:02
